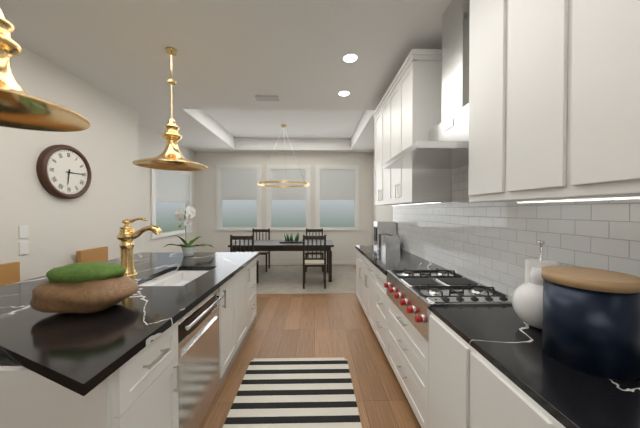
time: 6:15
